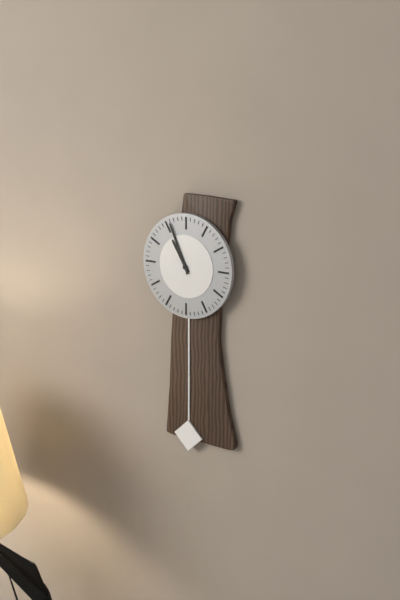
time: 10:56
